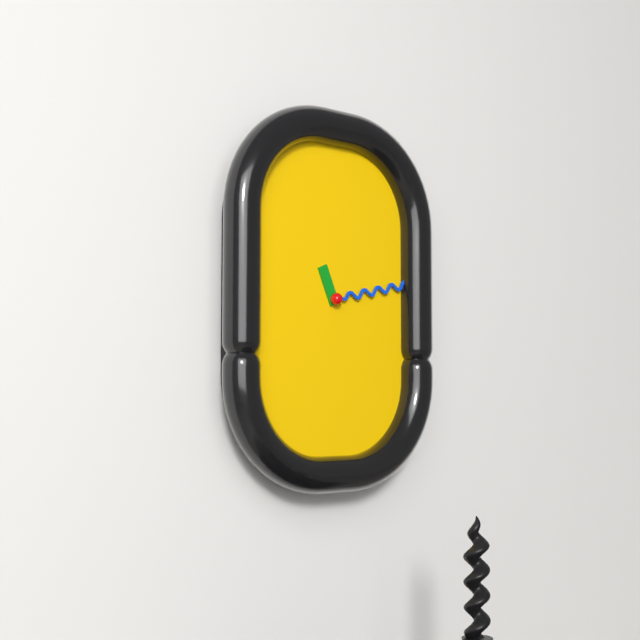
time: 11:13
